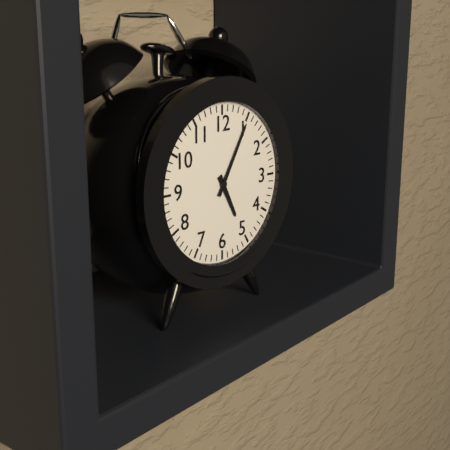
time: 5:05
